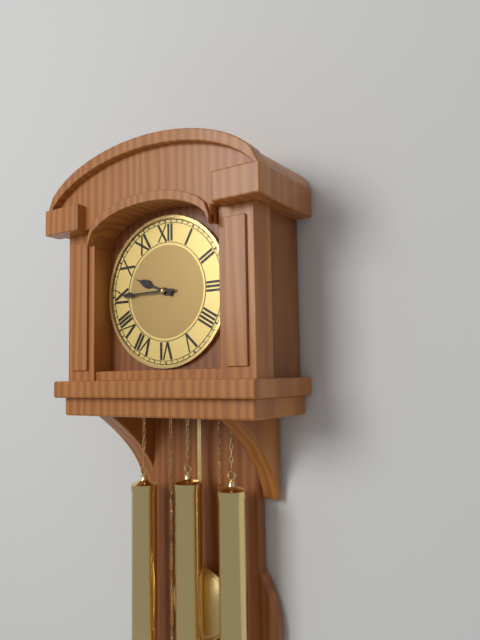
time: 9:45
